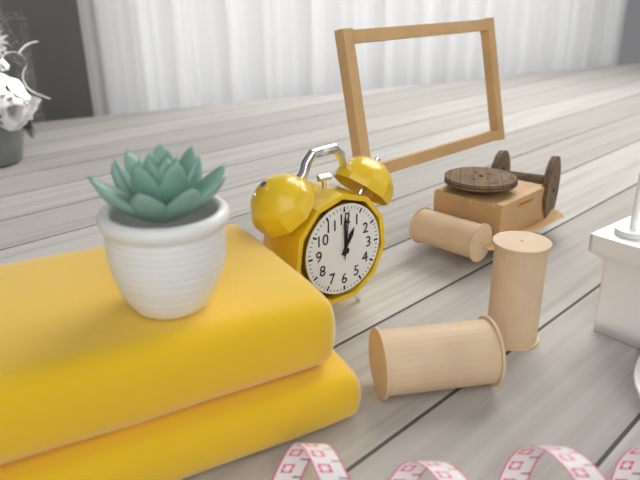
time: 1:00
